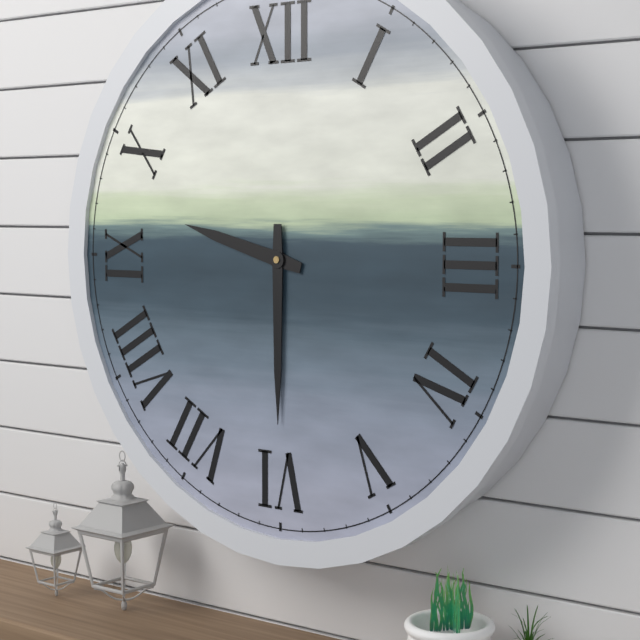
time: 9:30
